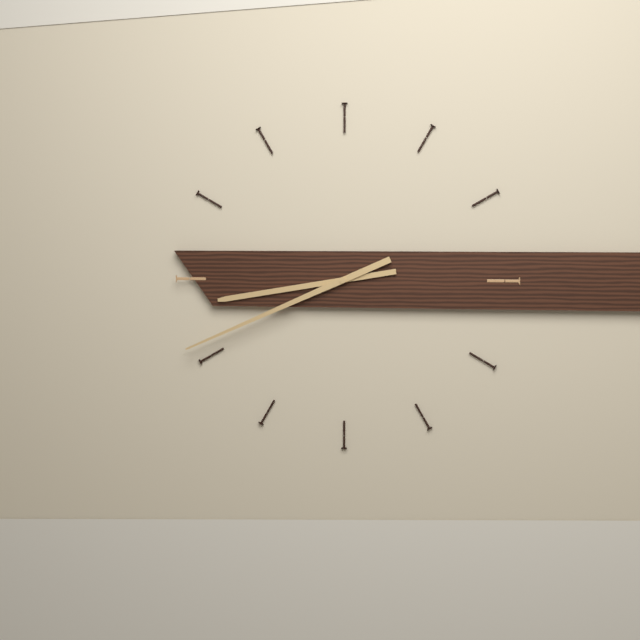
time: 8:41
